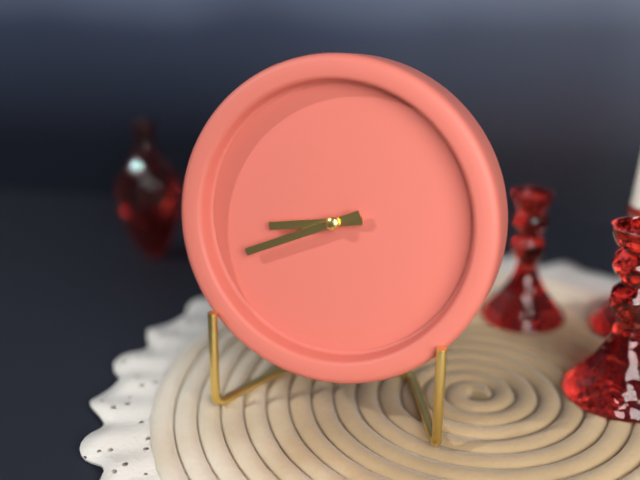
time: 8:41
